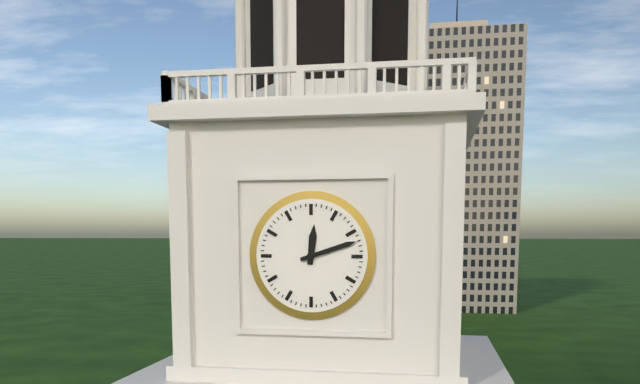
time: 12:12
